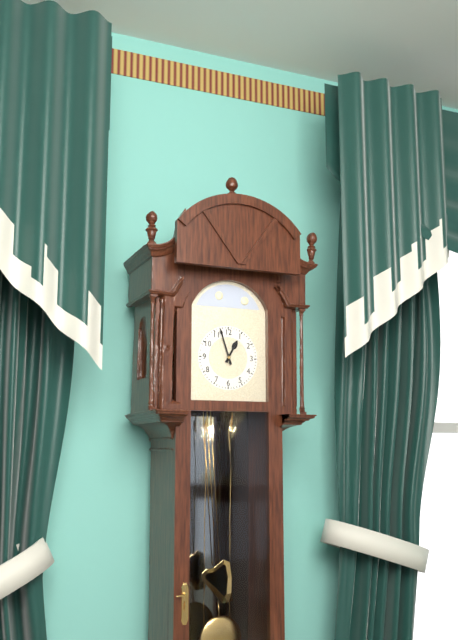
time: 12:57
